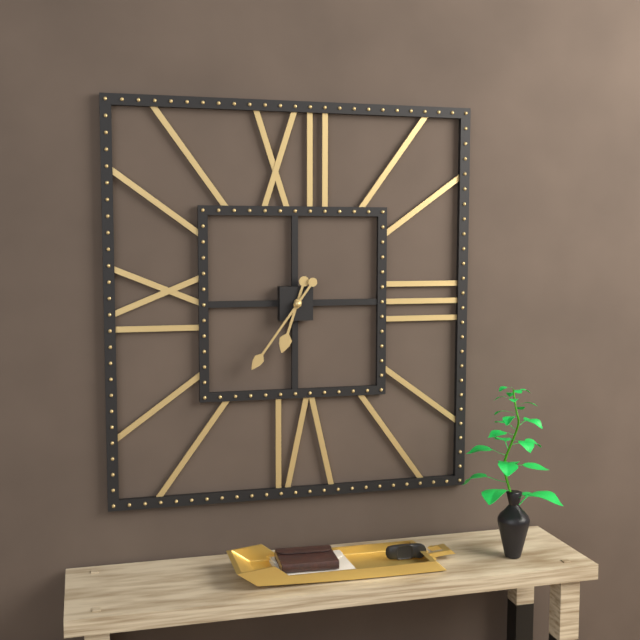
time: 6:36
